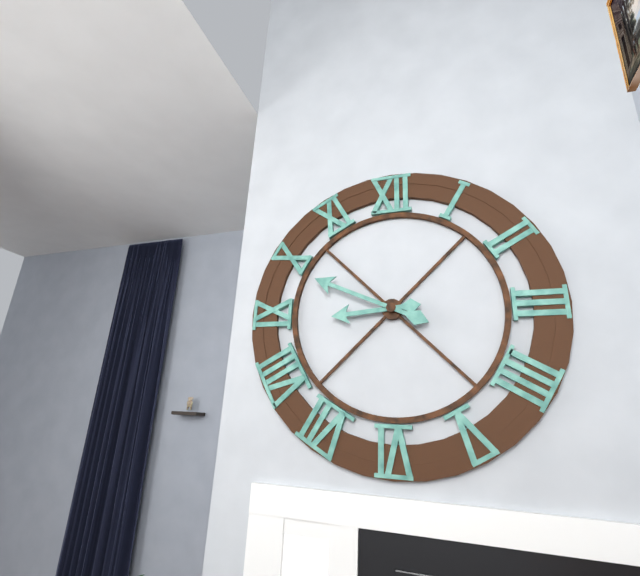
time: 8:49
